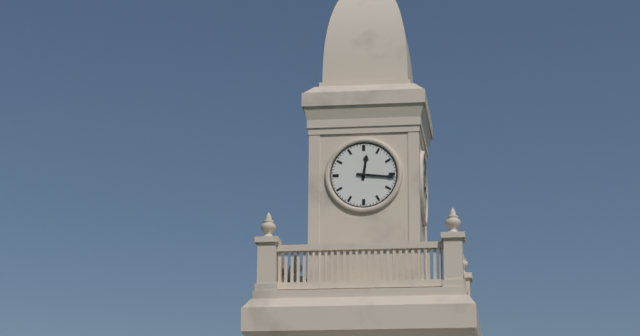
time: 12:16
